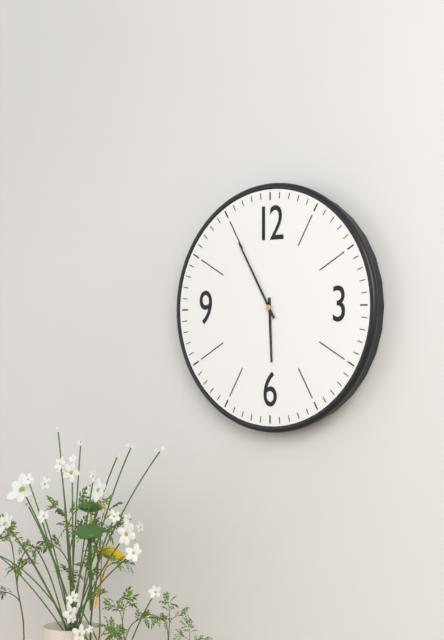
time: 5:55
